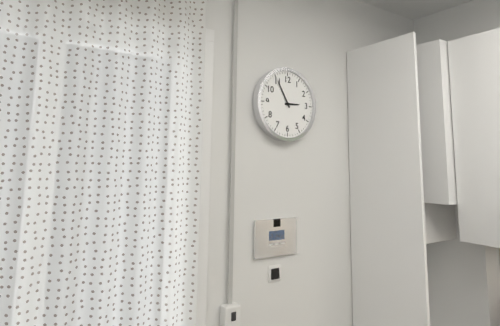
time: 2:55
